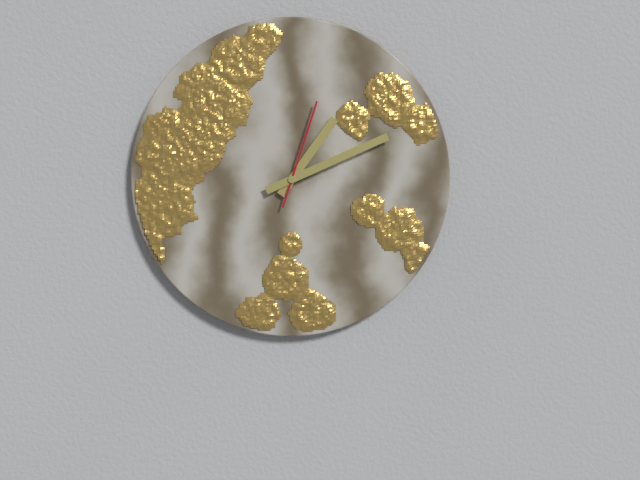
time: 1:11:03
